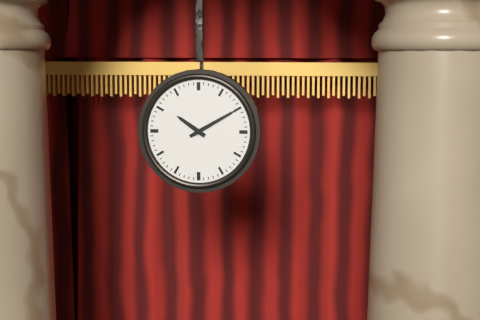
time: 10:10
